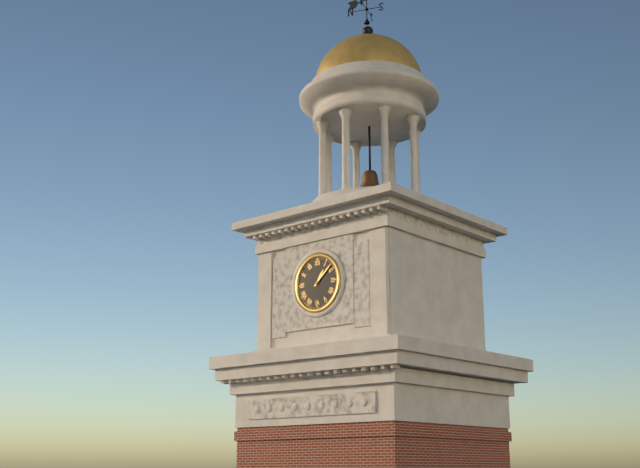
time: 1:08
